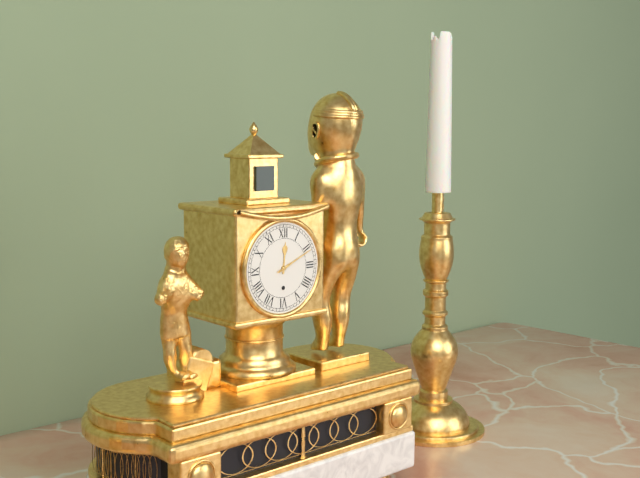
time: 12:11
